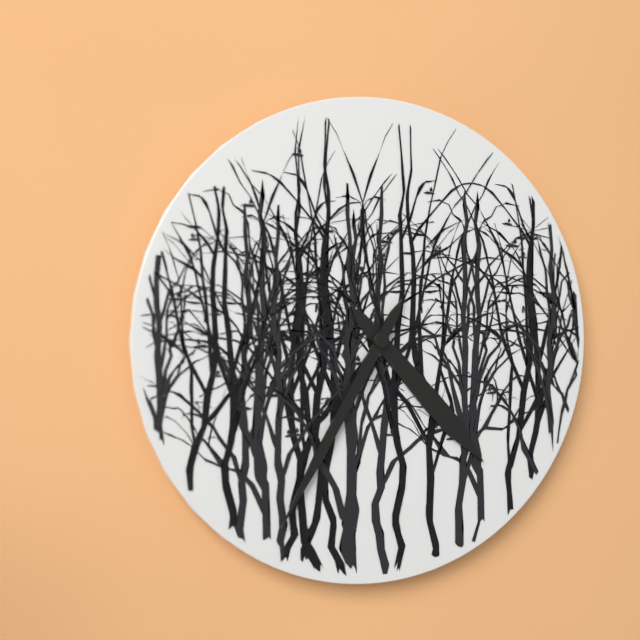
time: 4:35
